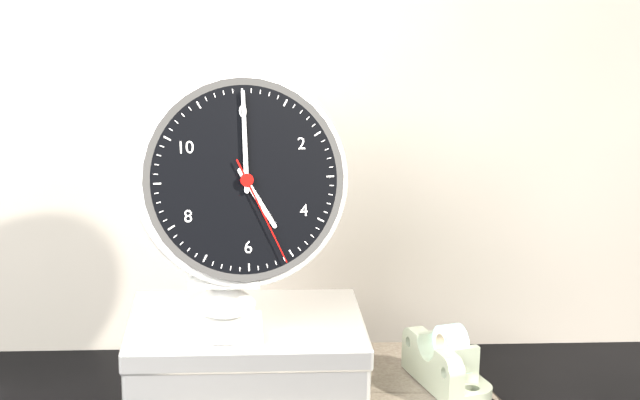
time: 5:00:26
